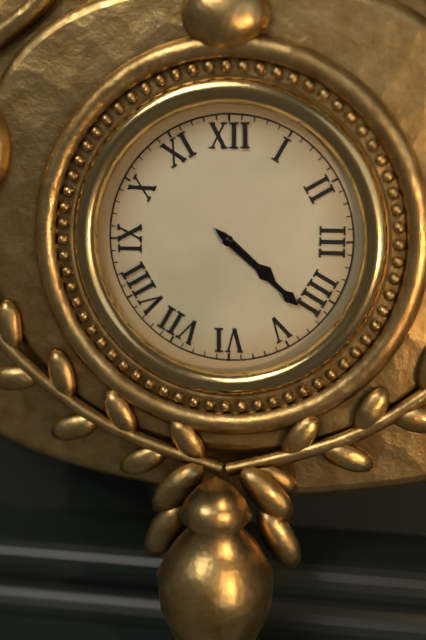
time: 4:22
